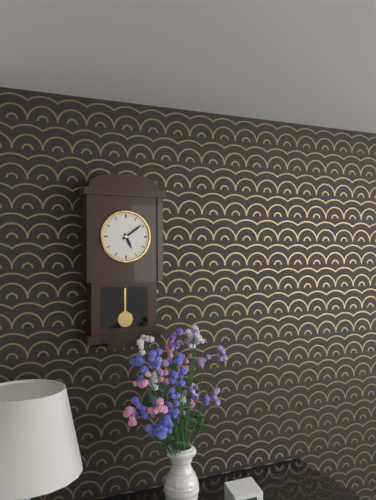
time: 5:09
